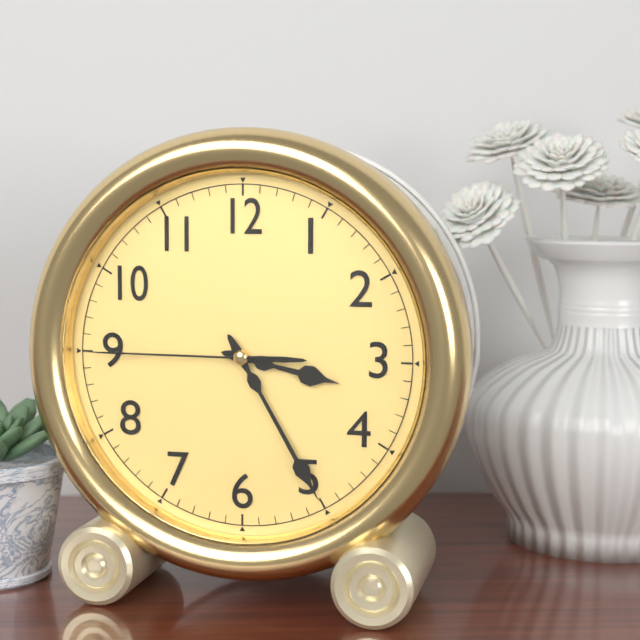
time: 3:25:45
